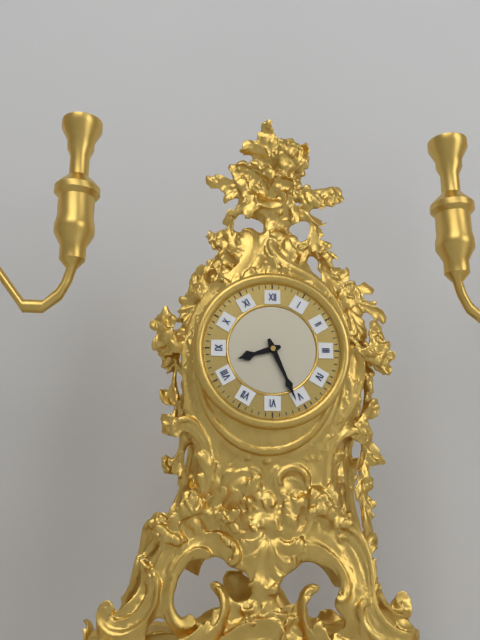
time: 8:26
